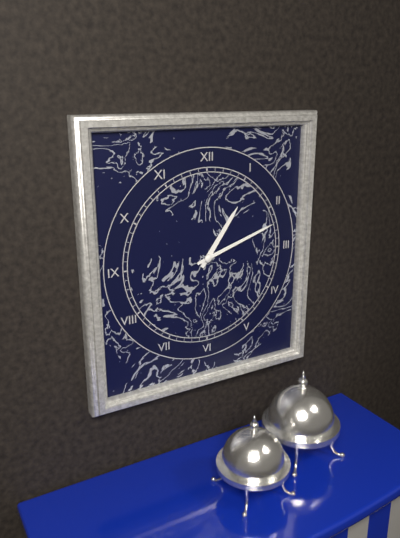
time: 1:12
